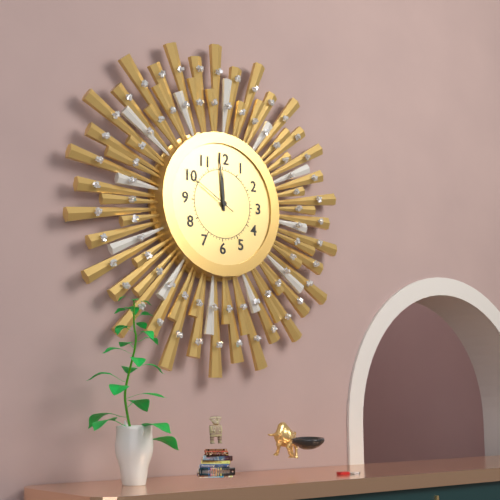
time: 11:59:50
